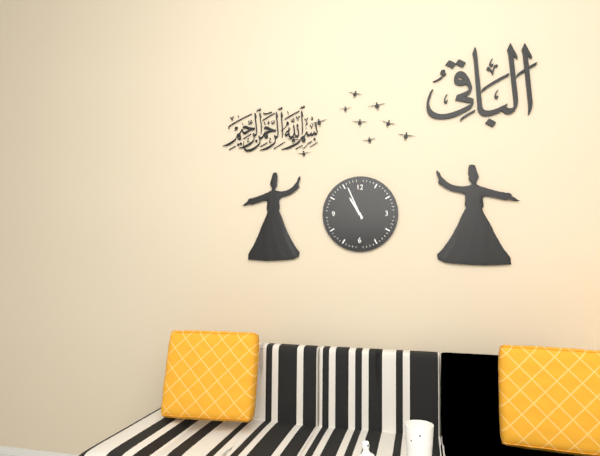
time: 10:56
